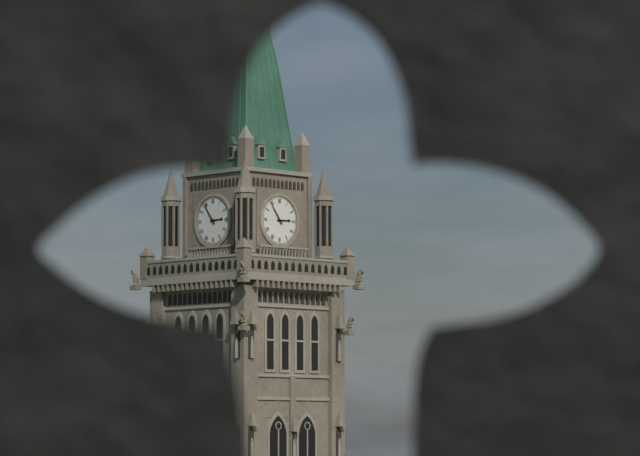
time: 2:54
